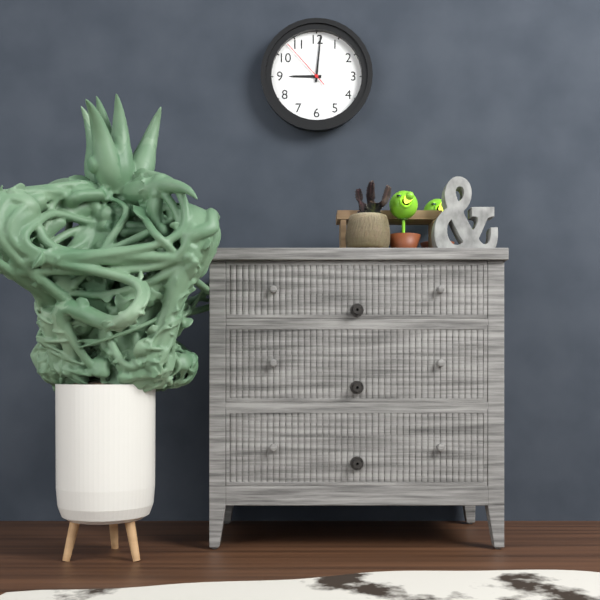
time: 9:01:53
